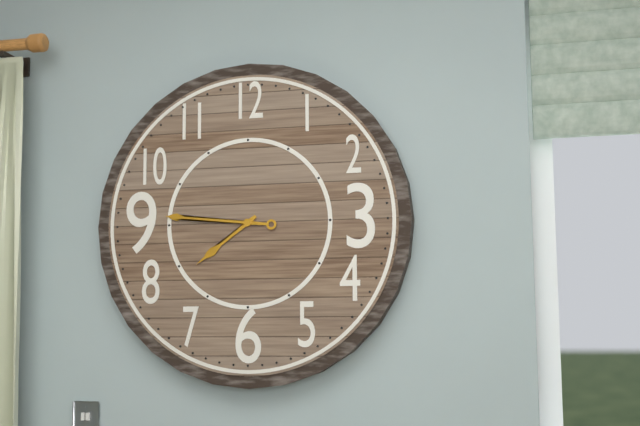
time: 7:46
